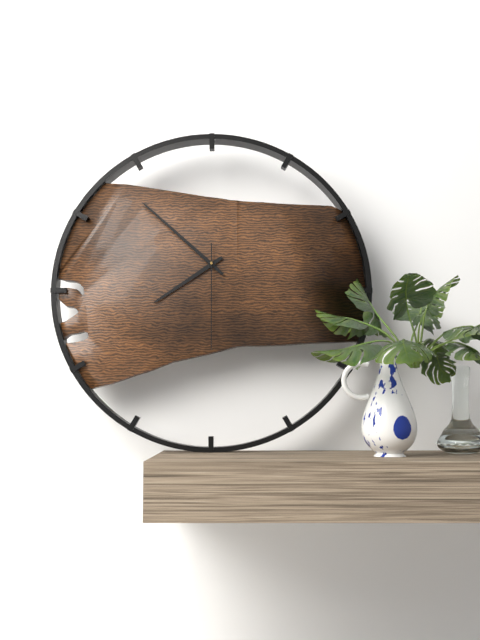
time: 7:52:30
